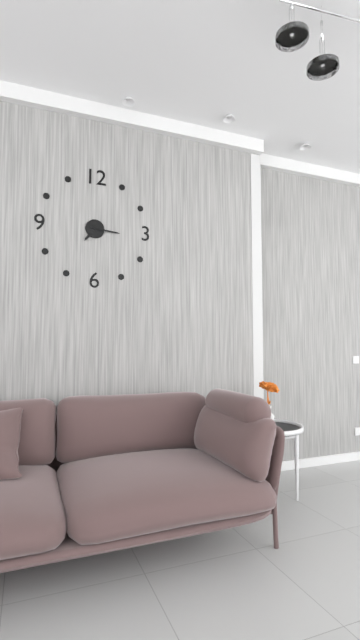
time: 7:16
